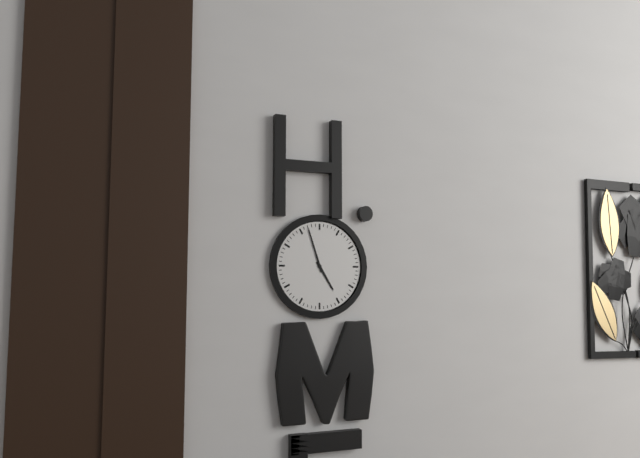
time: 4:57
